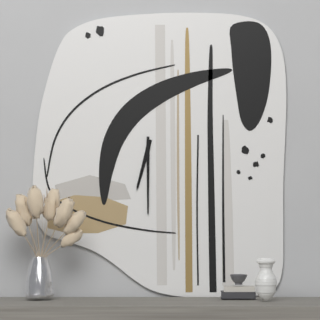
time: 6:30
